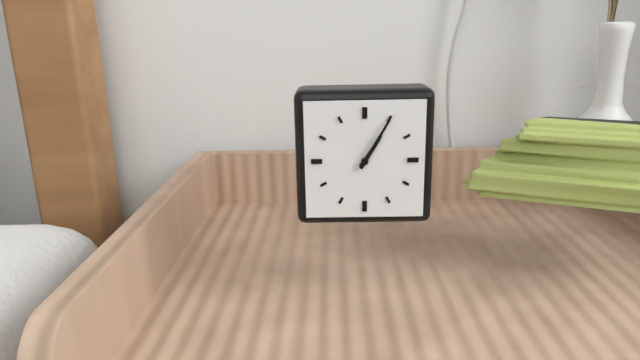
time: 1:05
